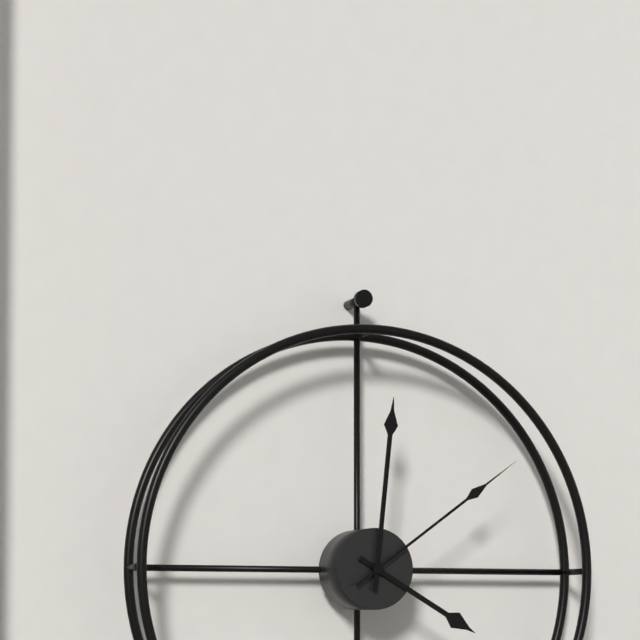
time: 4:01:09
